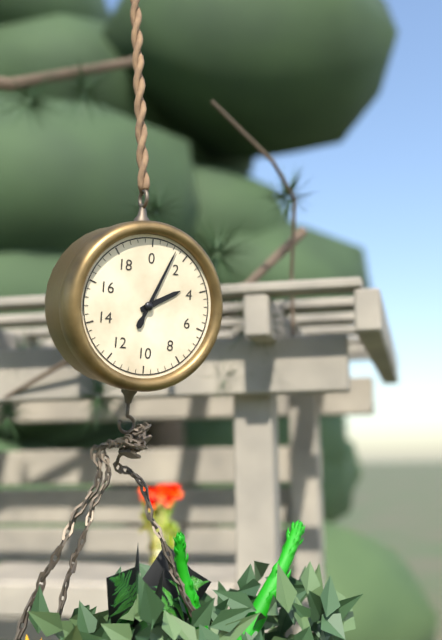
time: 2:04
